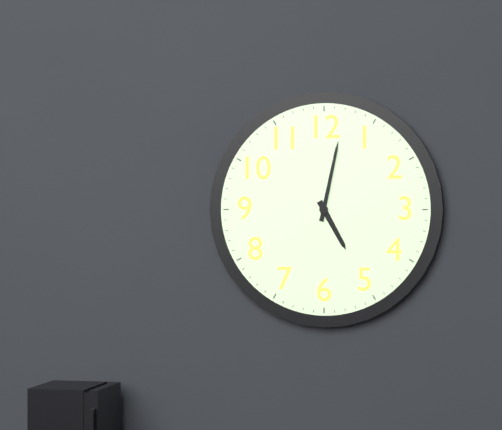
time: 5:02
